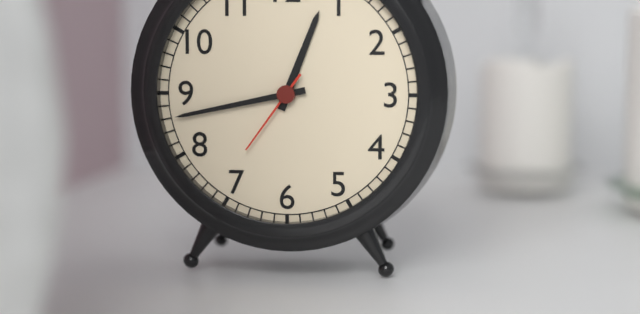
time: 12:43:36
